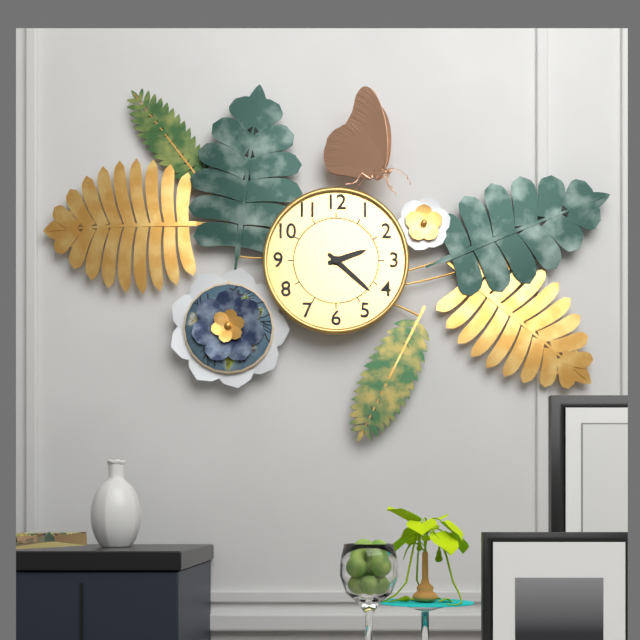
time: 2:22
